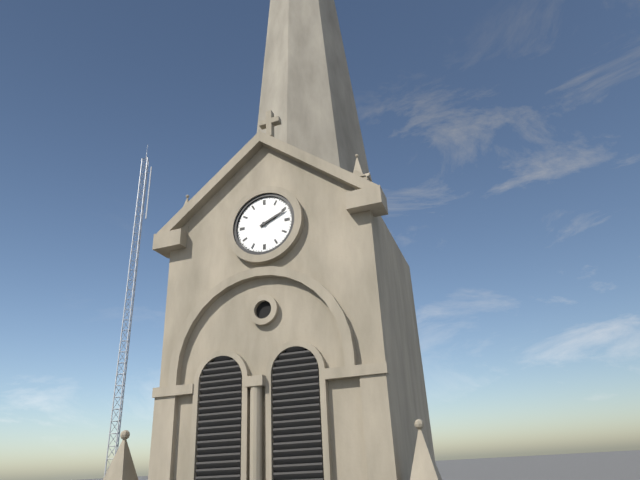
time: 2:11
